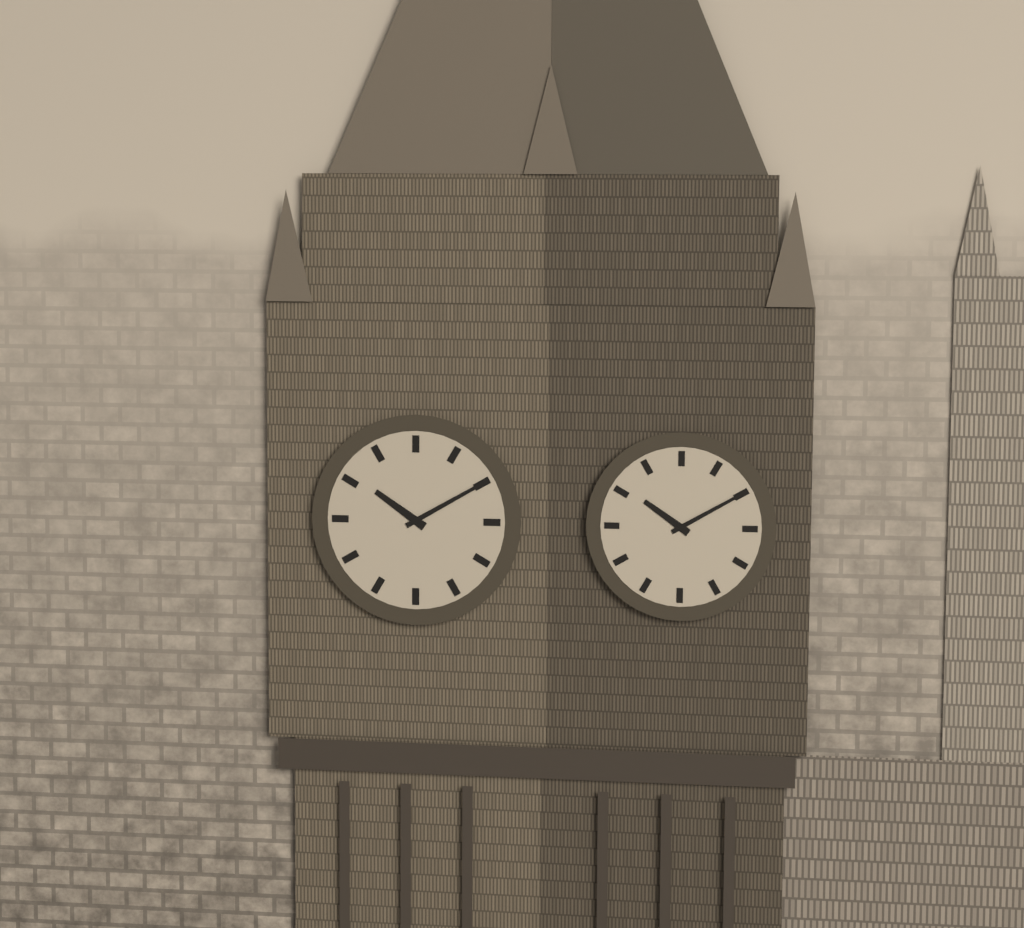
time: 10:10
